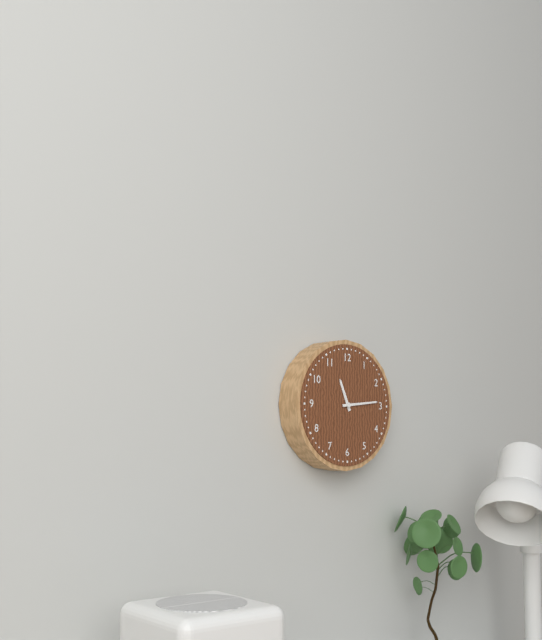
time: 11:14
